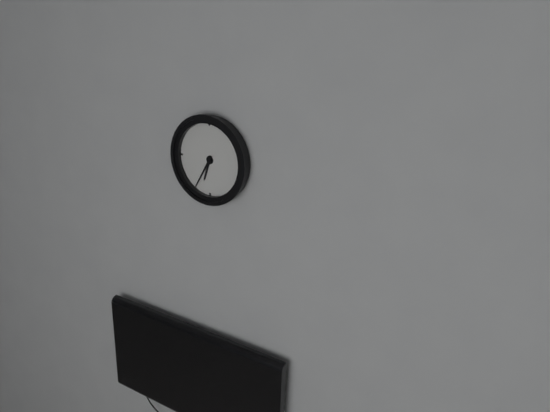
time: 6:35
